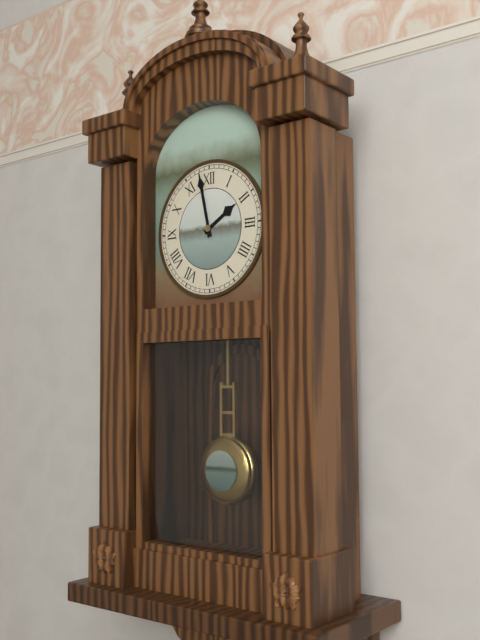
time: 1:58
